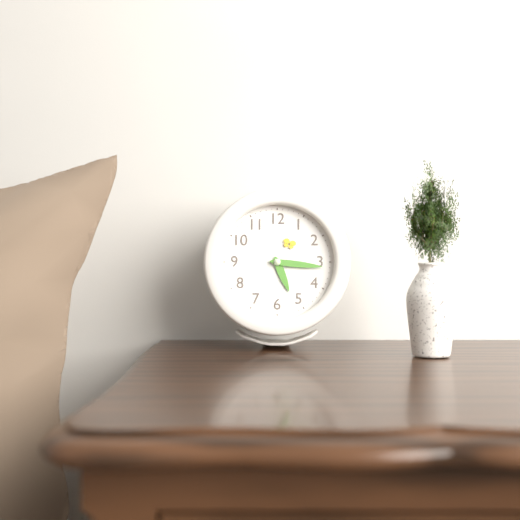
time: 5:16
